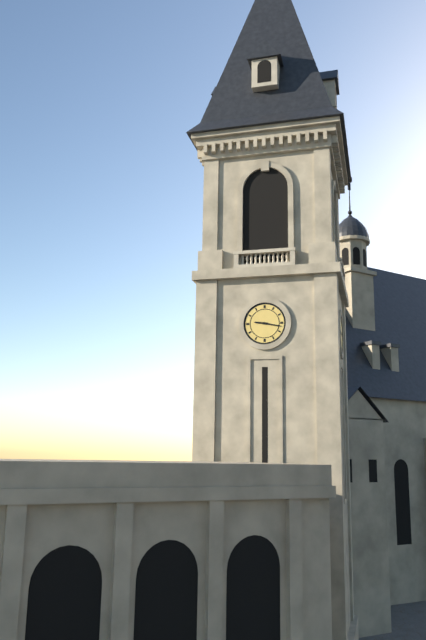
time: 9:17
